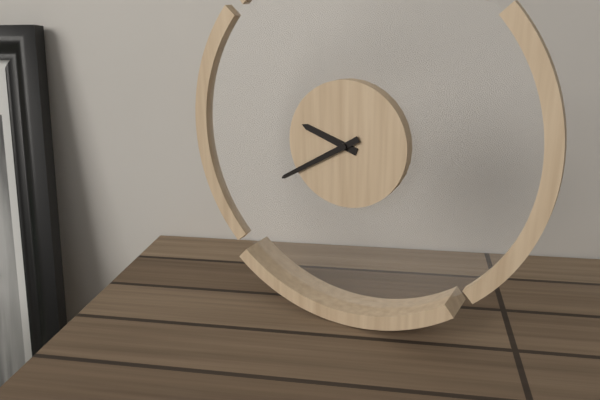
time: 9:40
